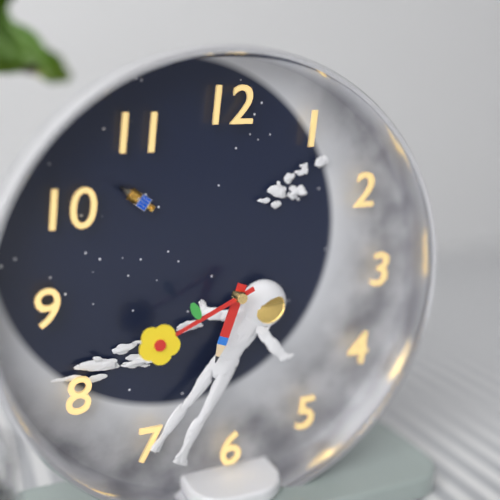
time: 6:41
